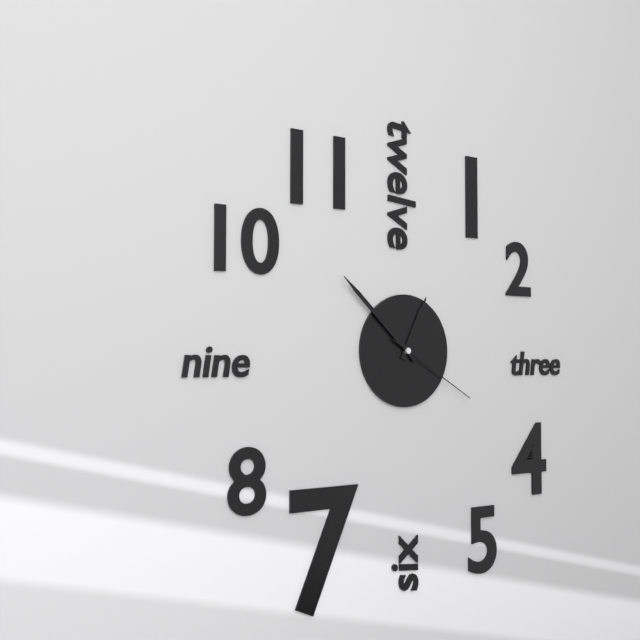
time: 12:52:20
